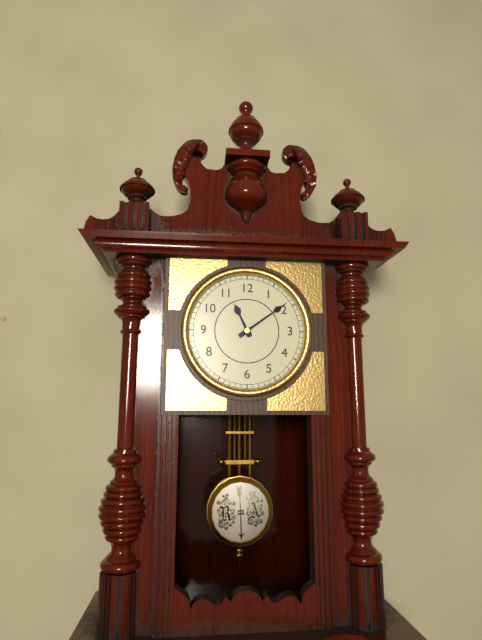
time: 11:09
